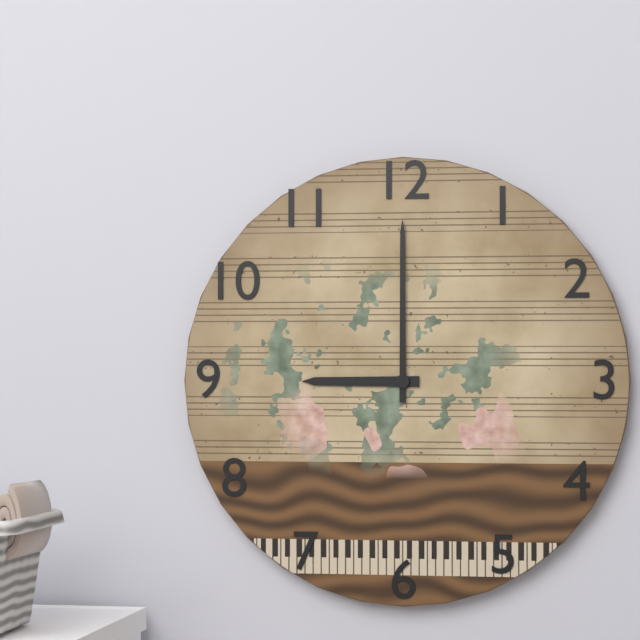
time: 9:00
